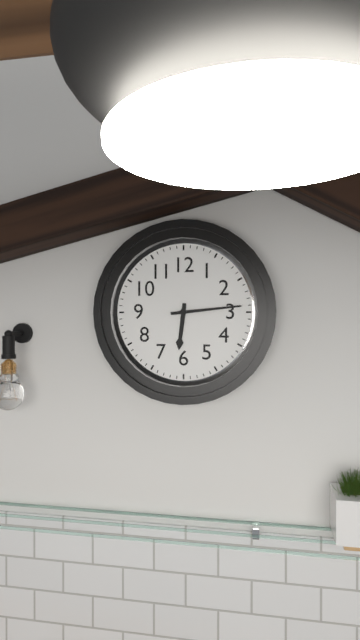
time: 6:14
